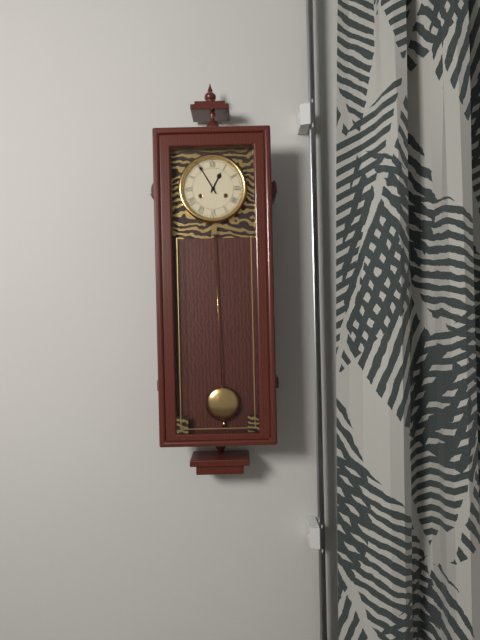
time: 12:55
